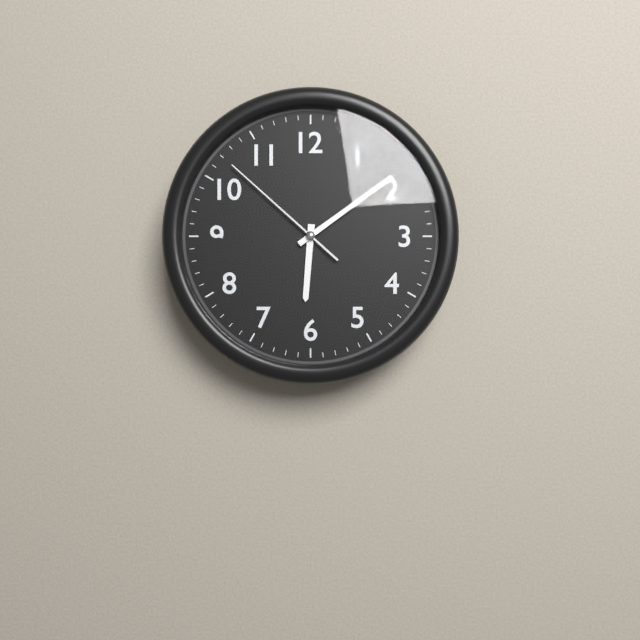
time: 6:09:52
